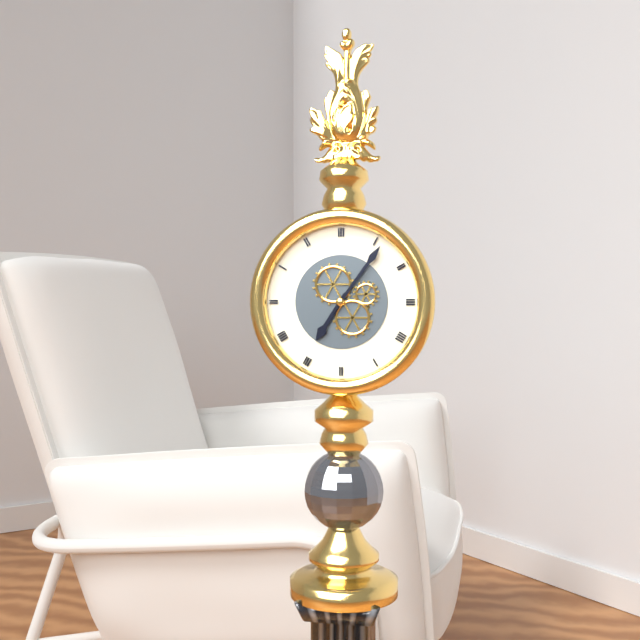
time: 7:06
